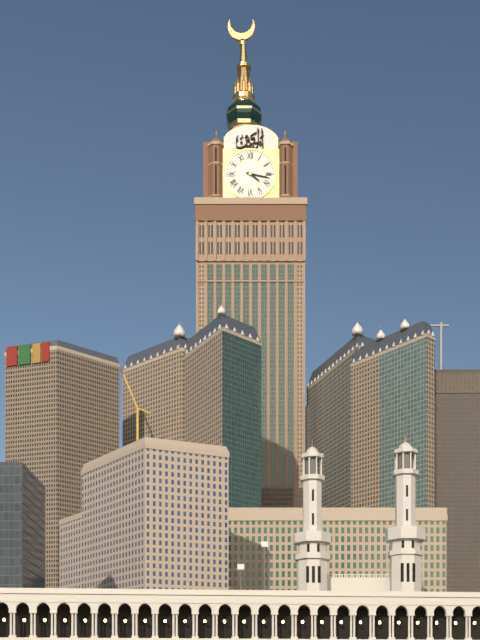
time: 4:17
